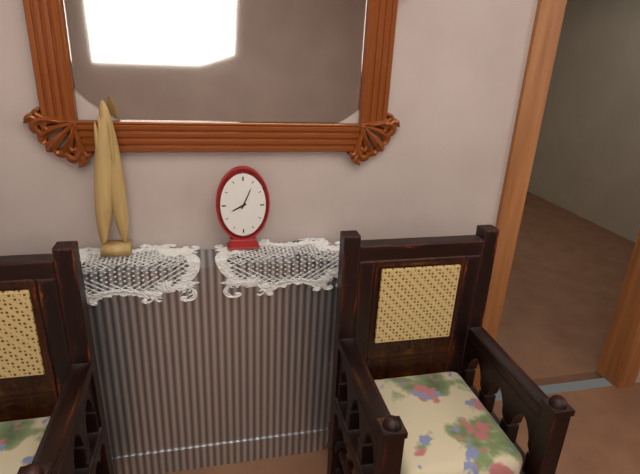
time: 8:04
